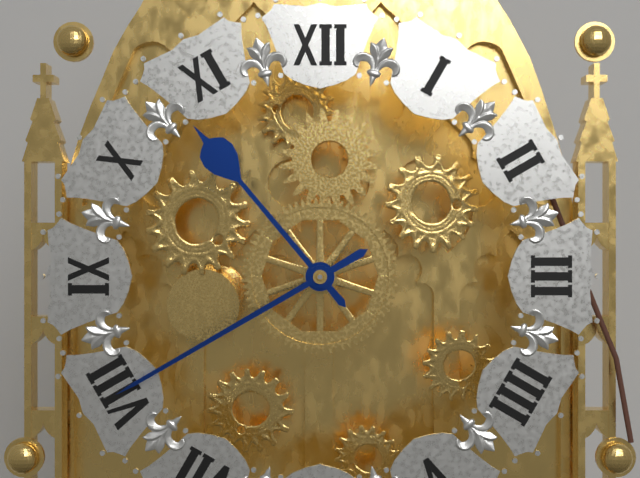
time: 10:40
